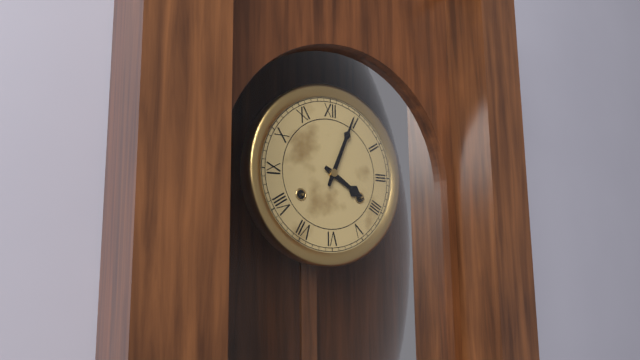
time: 4:04
